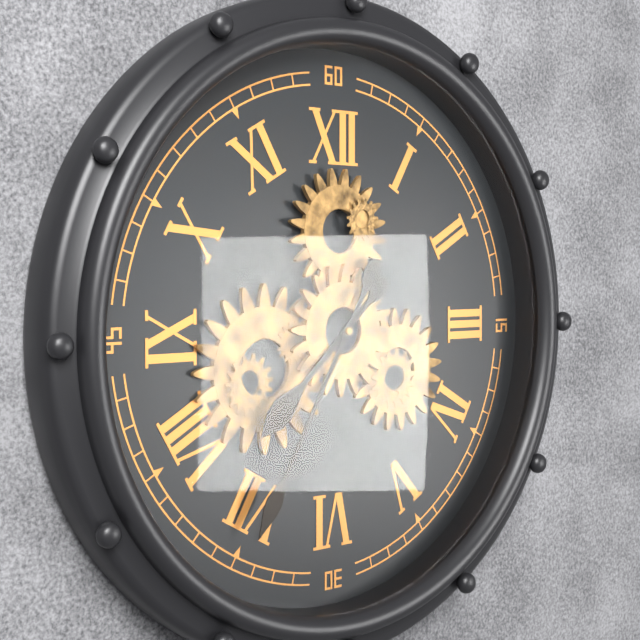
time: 7:35
